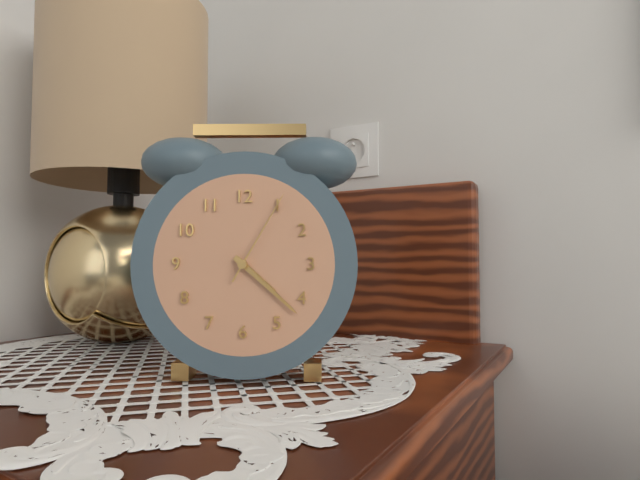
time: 4:22:05
